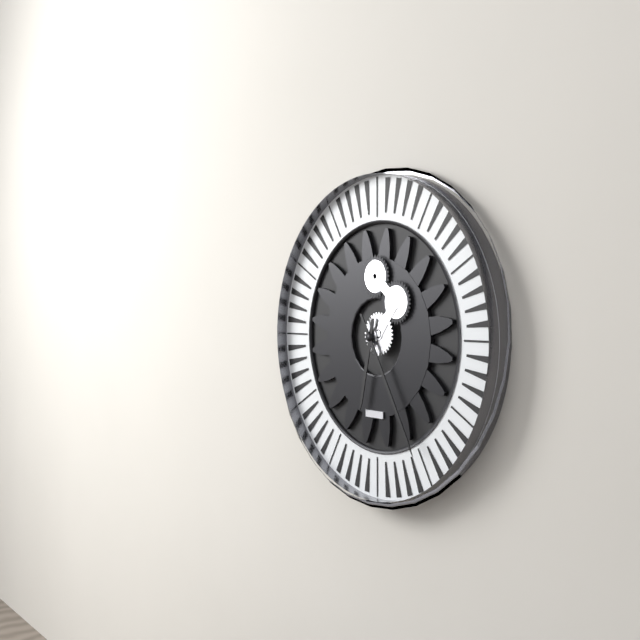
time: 6:25
